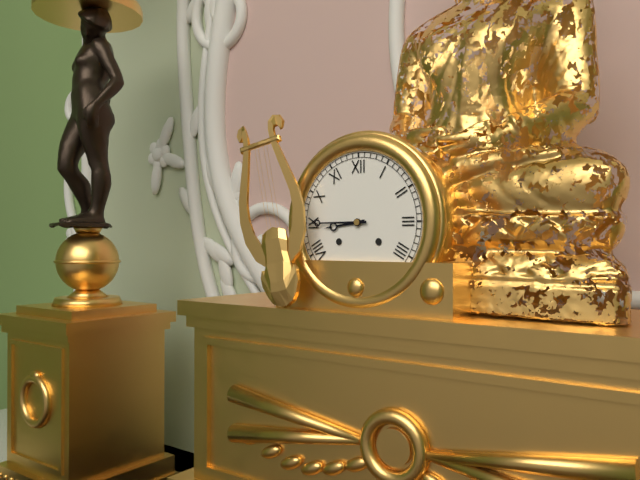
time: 8:45
